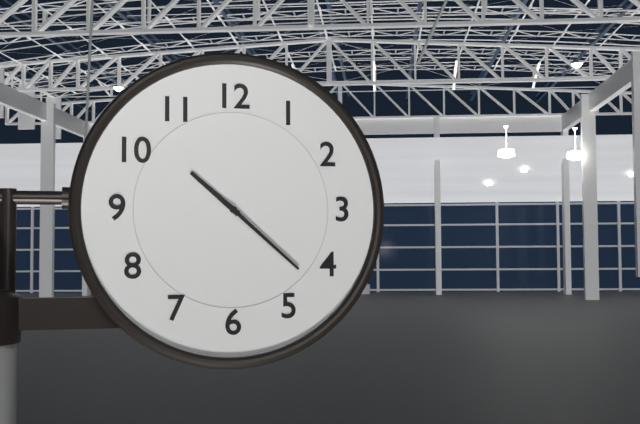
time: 10:22
